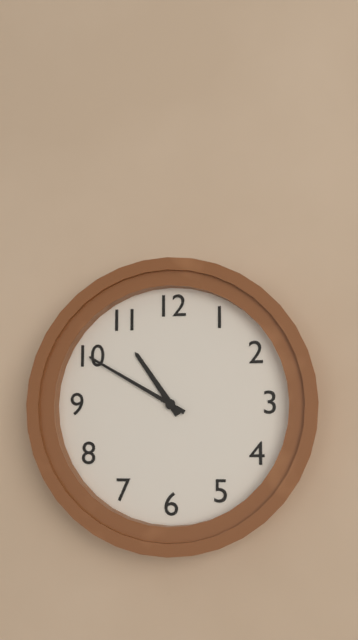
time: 10:50
